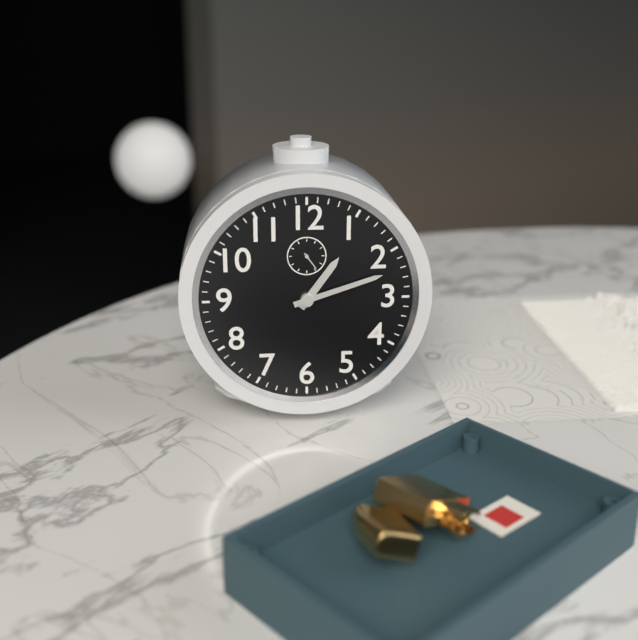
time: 1:12
